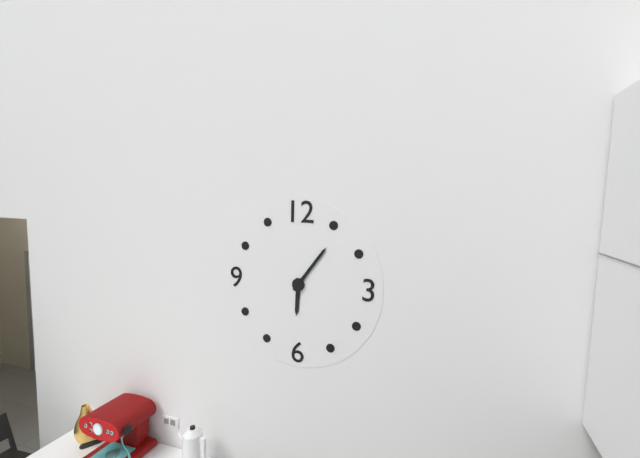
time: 6:06
